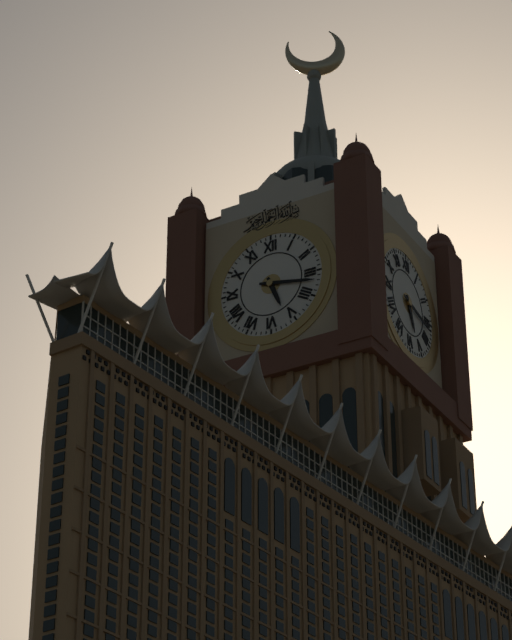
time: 5:17
